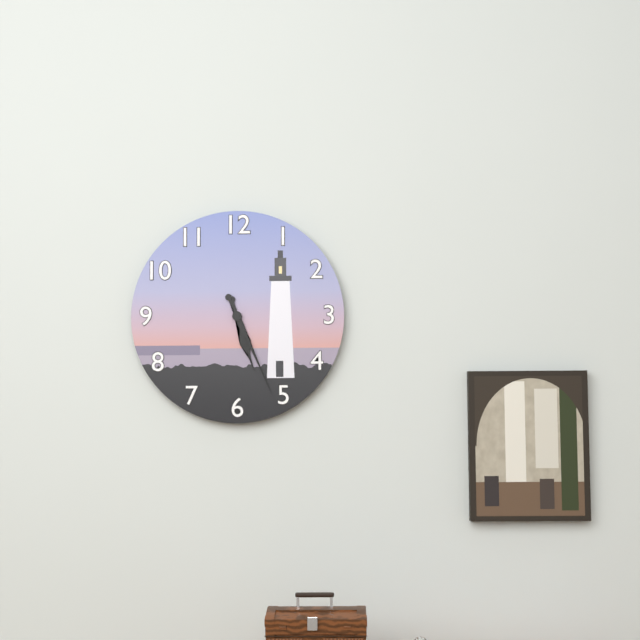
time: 5:26
